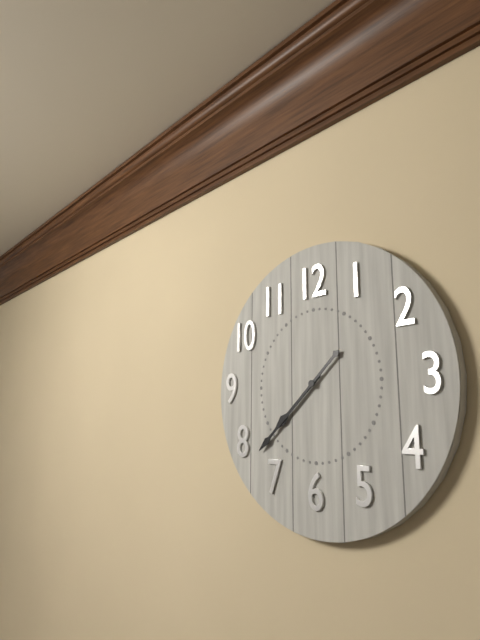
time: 7:38
